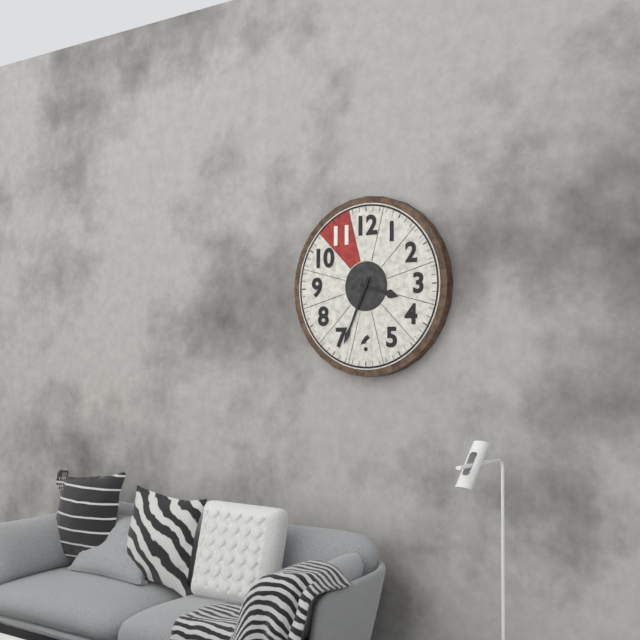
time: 3:34
